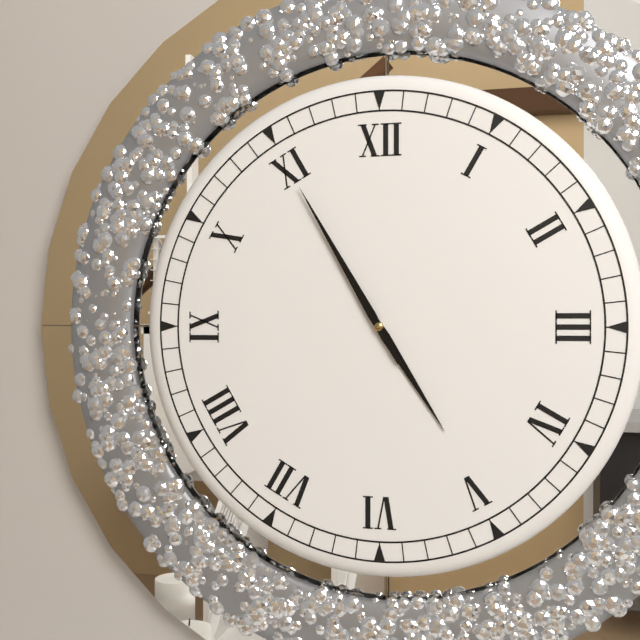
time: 4:55
